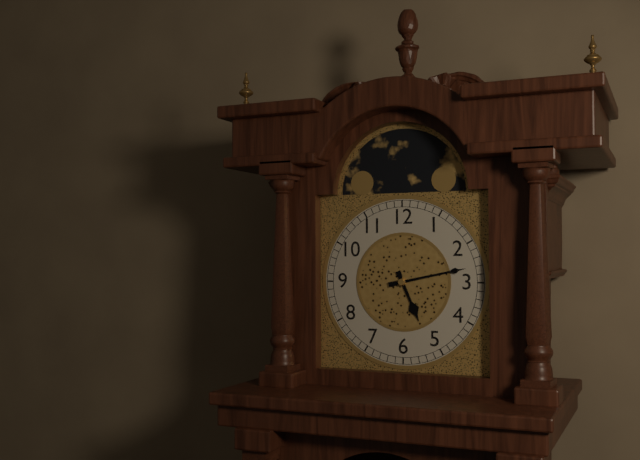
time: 5:13
